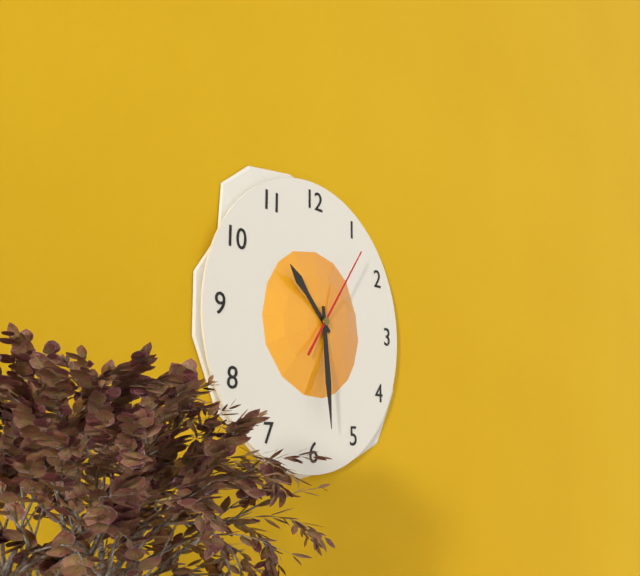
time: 10:29:06
